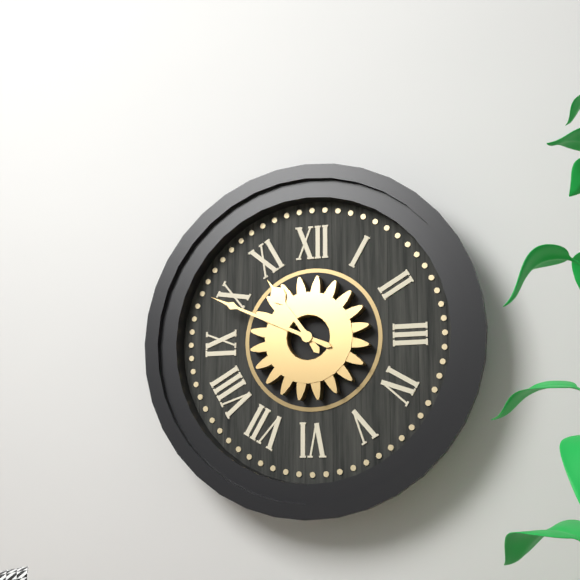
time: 10:49
